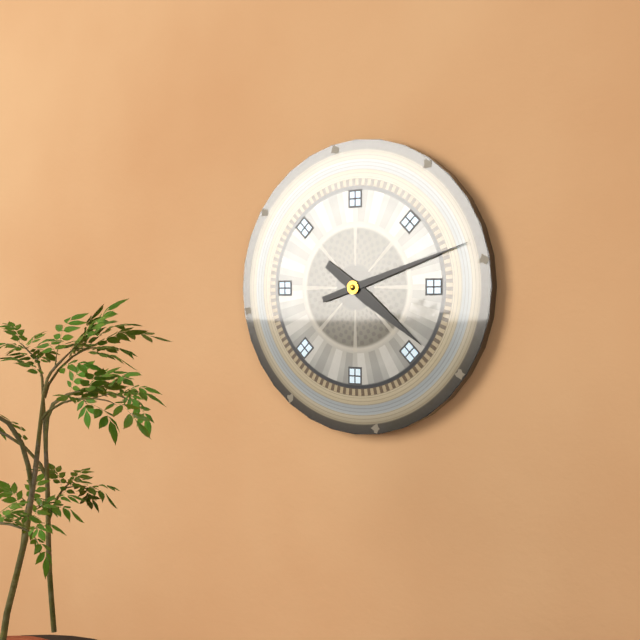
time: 4:12
